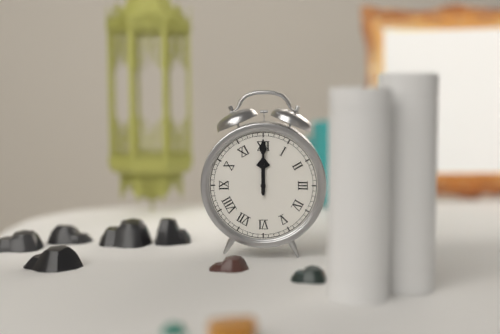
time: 12:00
